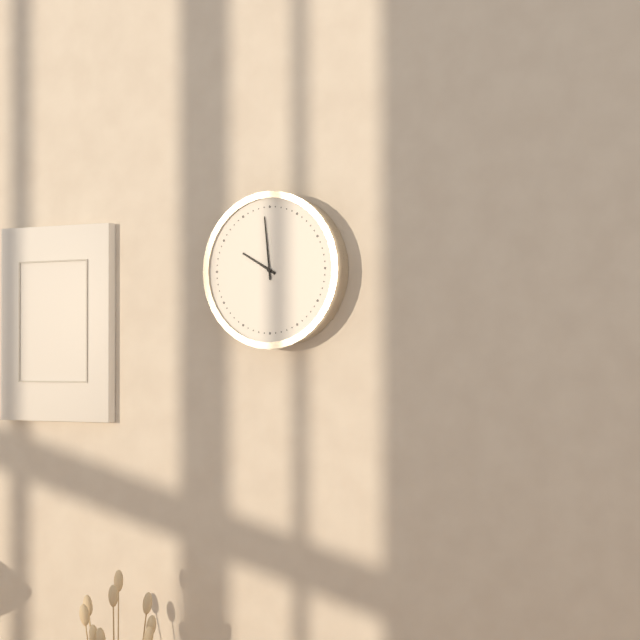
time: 9:59
